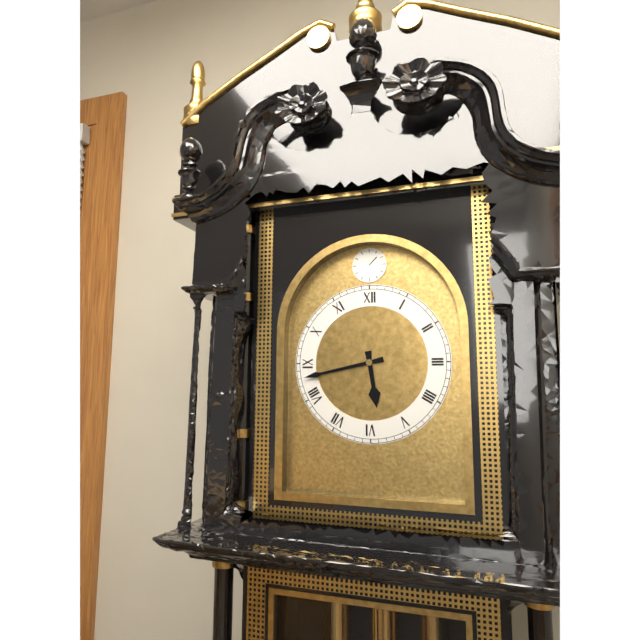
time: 5:43
